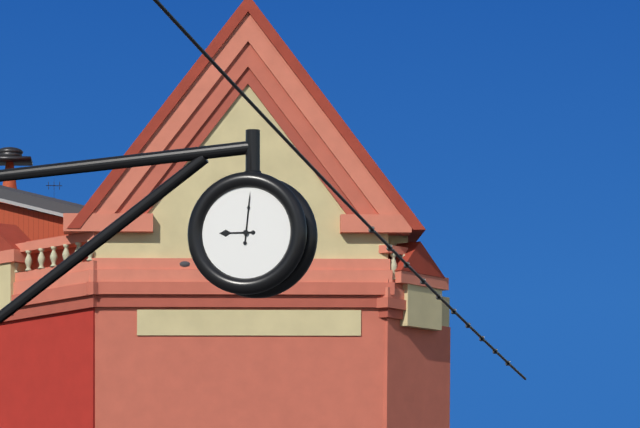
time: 9:01
